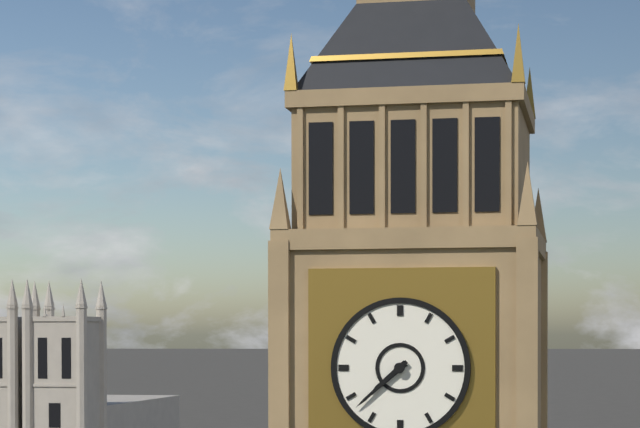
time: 7:38
